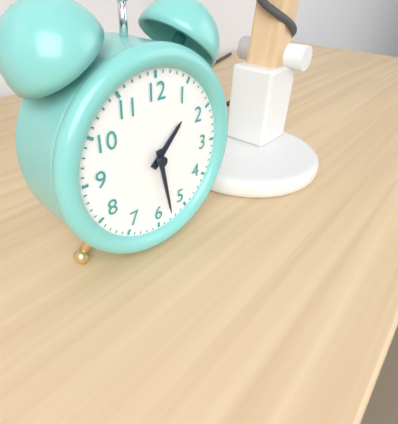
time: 1:28
